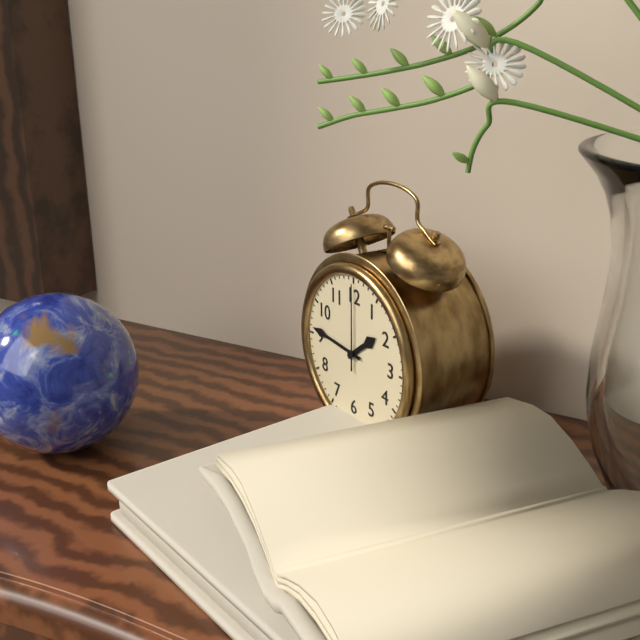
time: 1:46:00
